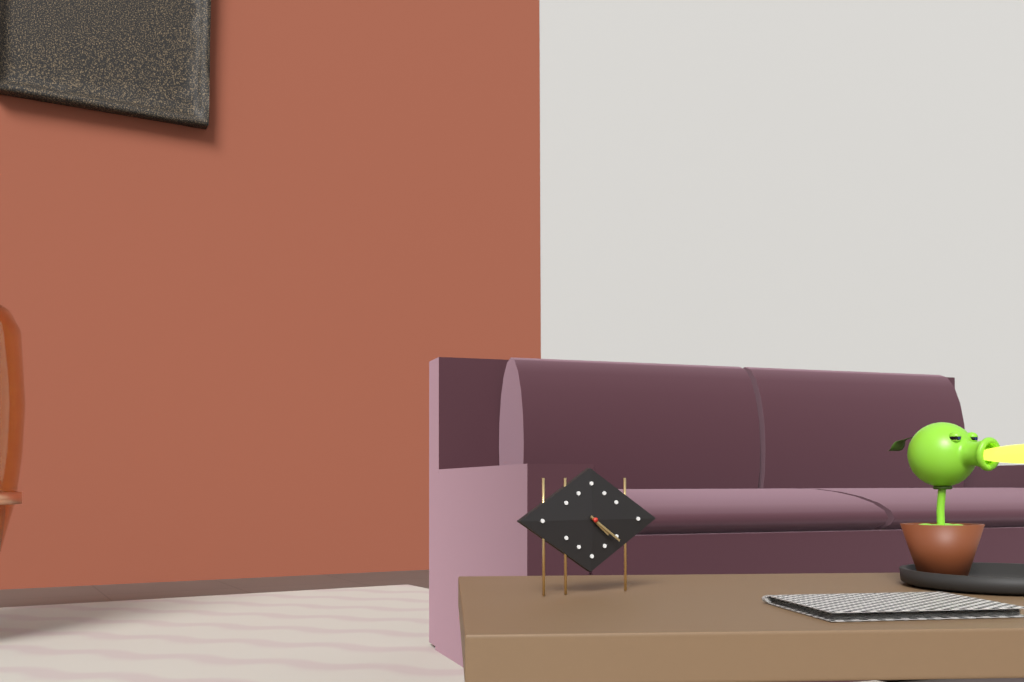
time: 4:21
